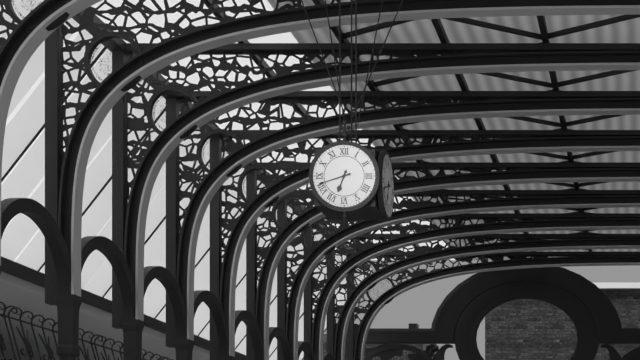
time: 6:42
